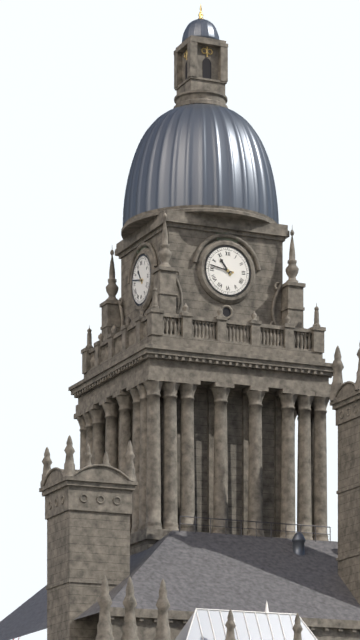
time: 10:47
